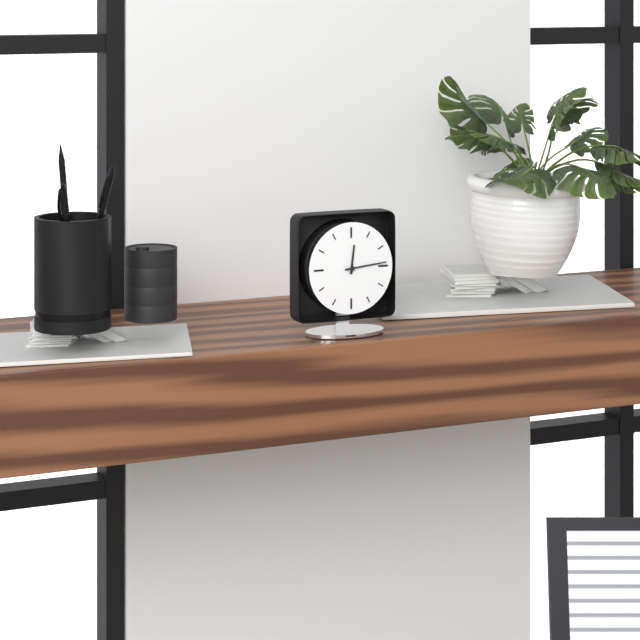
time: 12:14
